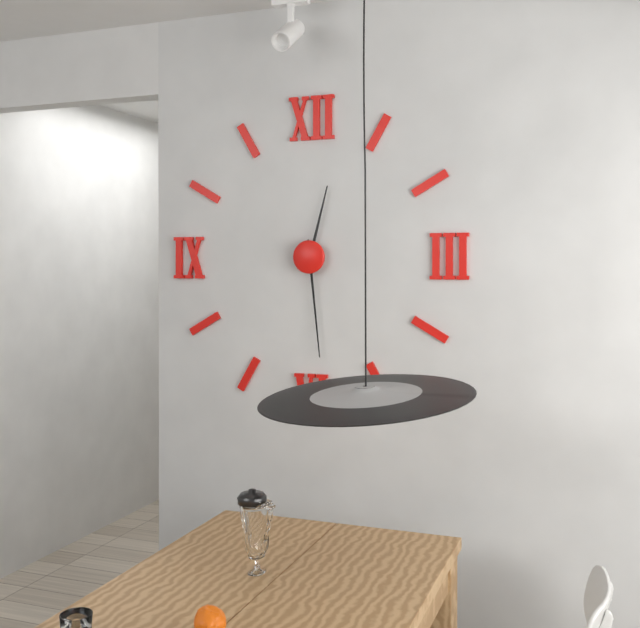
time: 12:29
